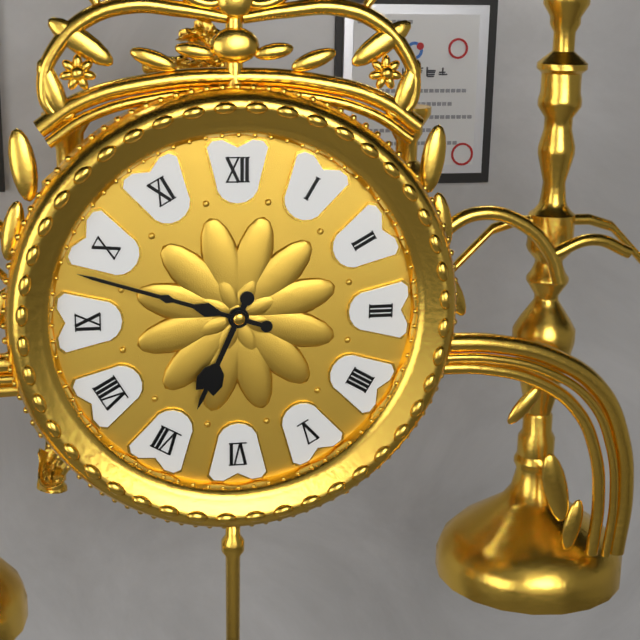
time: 6:48
